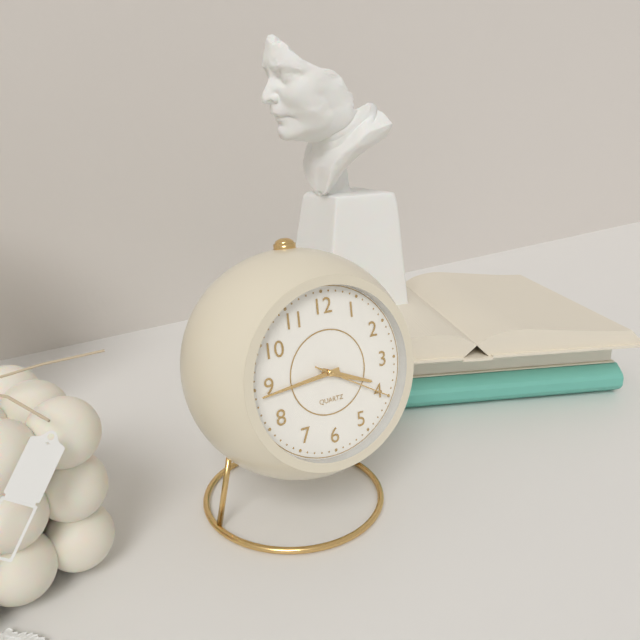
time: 3:44:20
